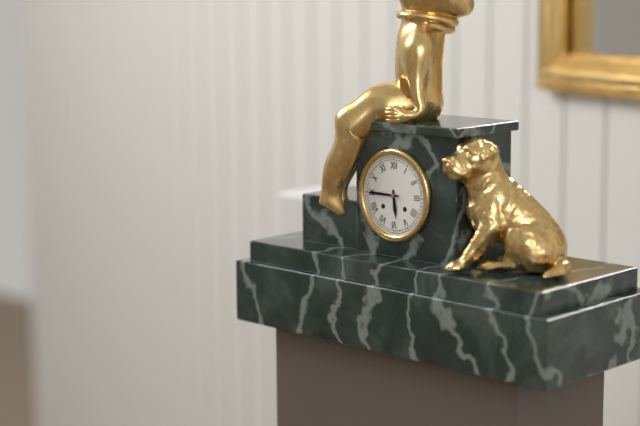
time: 5:45
